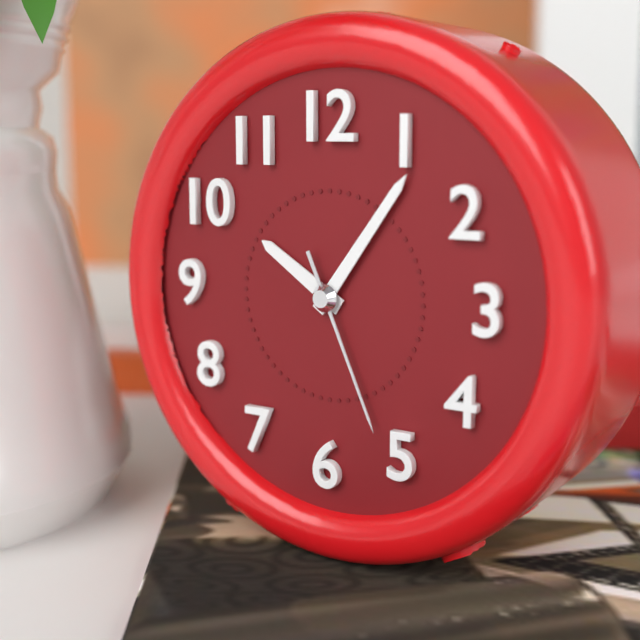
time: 10:06:26
